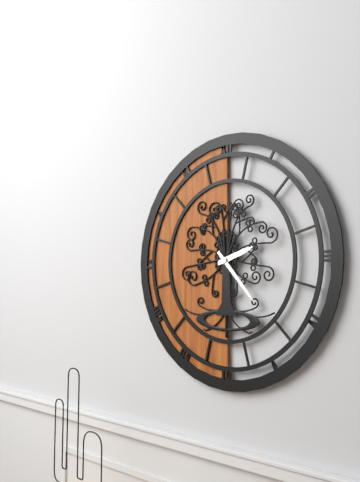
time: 2:23
